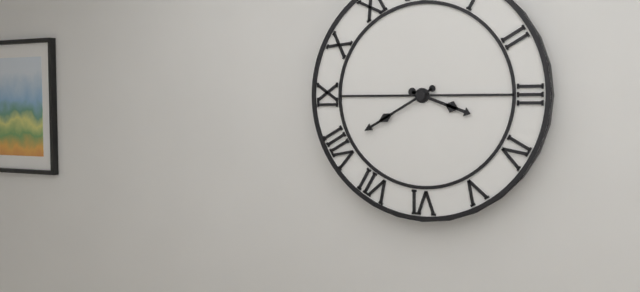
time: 3:40
